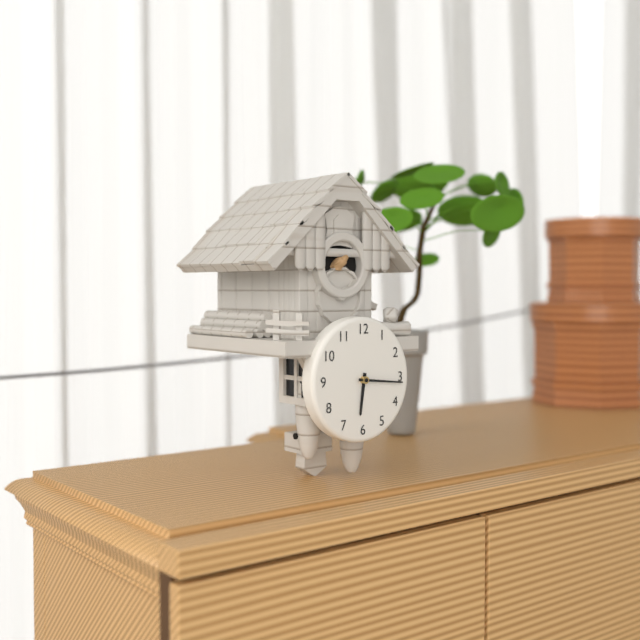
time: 6:16
